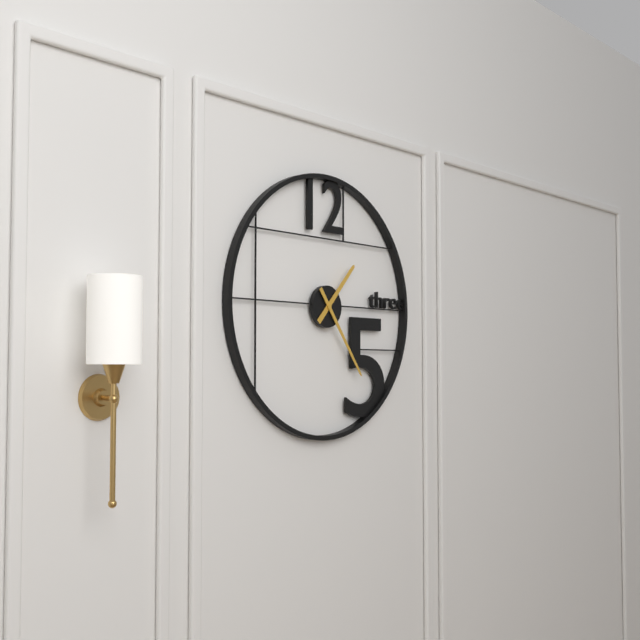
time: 1:24
